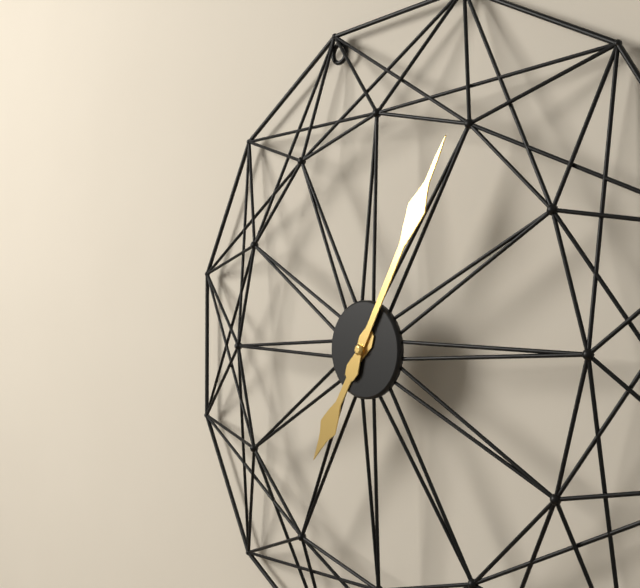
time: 7:05
